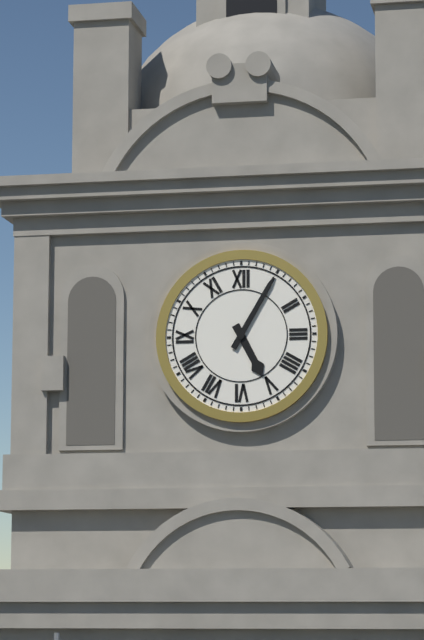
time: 5:05
